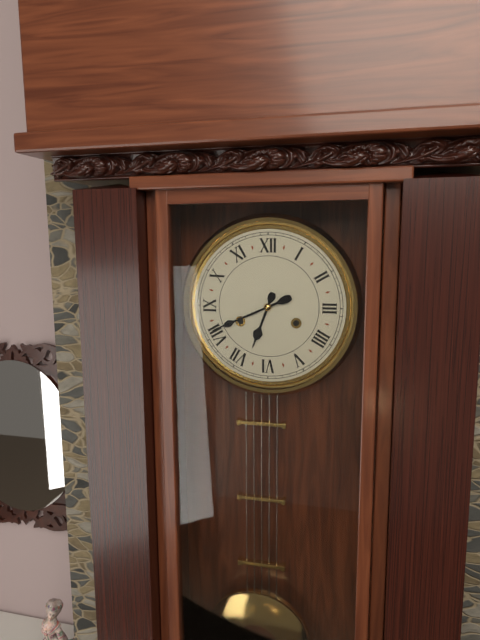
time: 6:41
